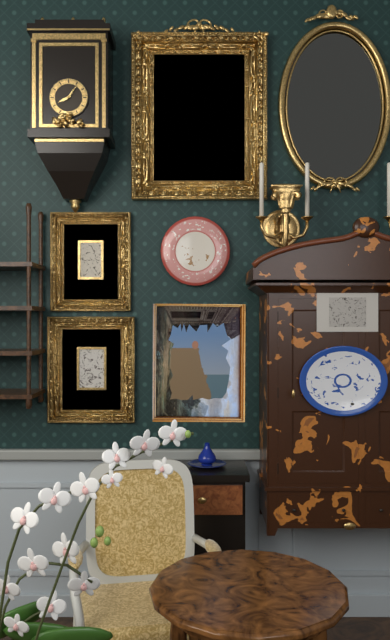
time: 8:06
